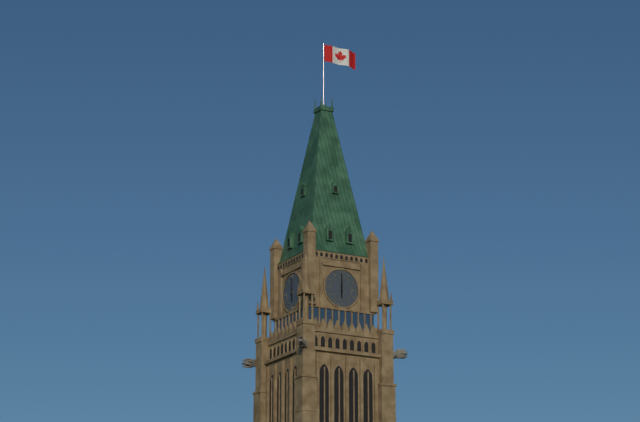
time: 6:00
